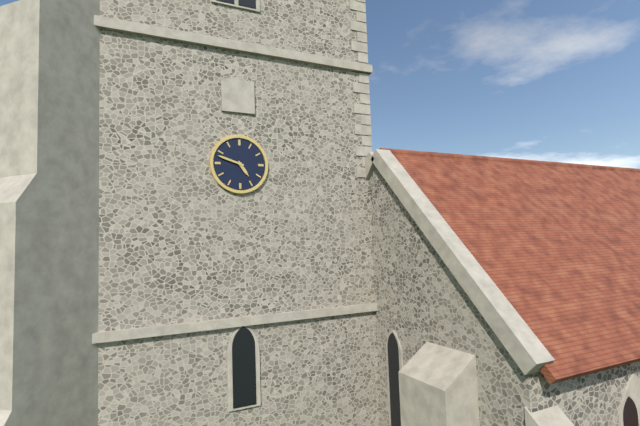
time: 4:48
